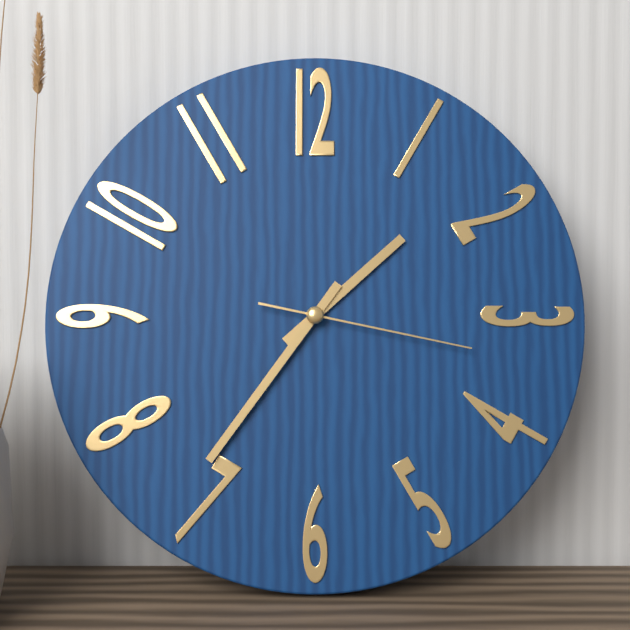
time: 1:36:17
